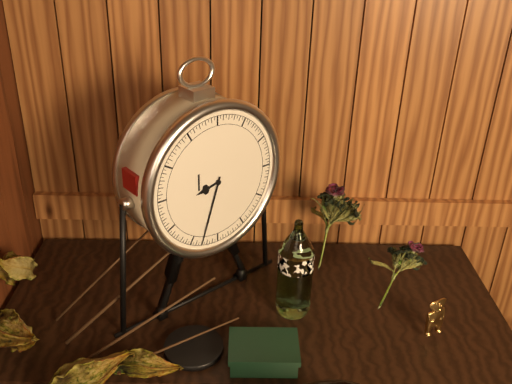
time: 8:33
